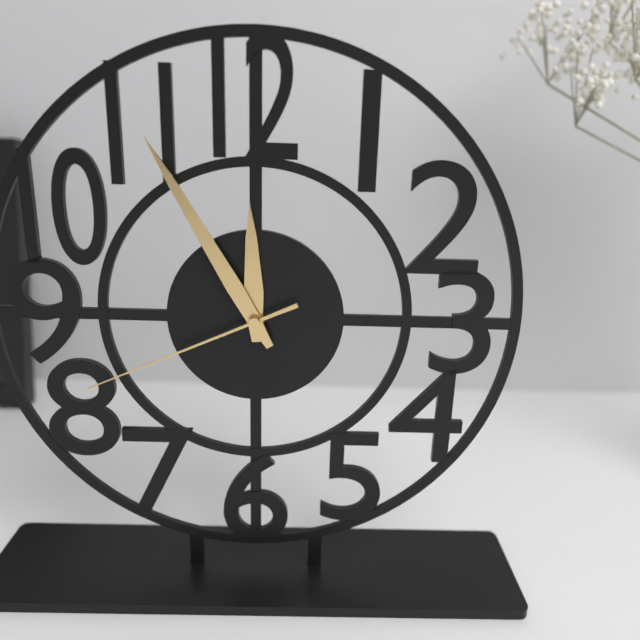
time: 11:55:41
